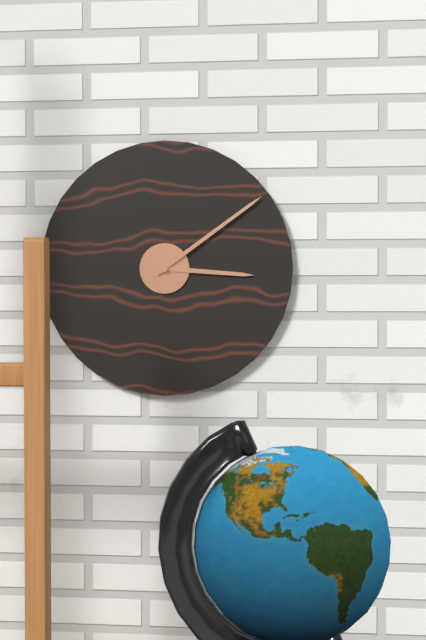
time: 3:09
